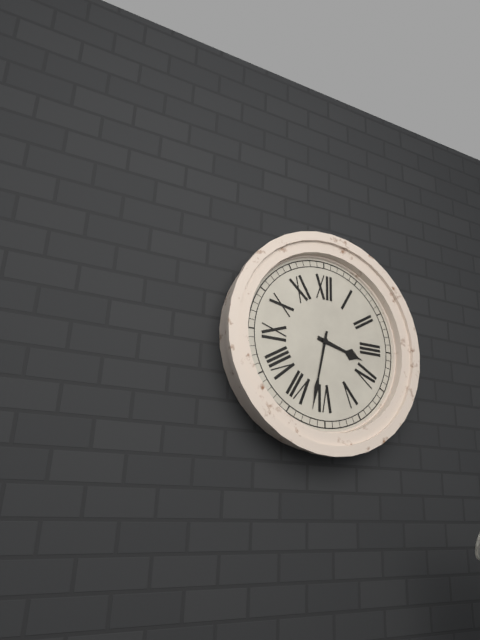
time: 3:32
